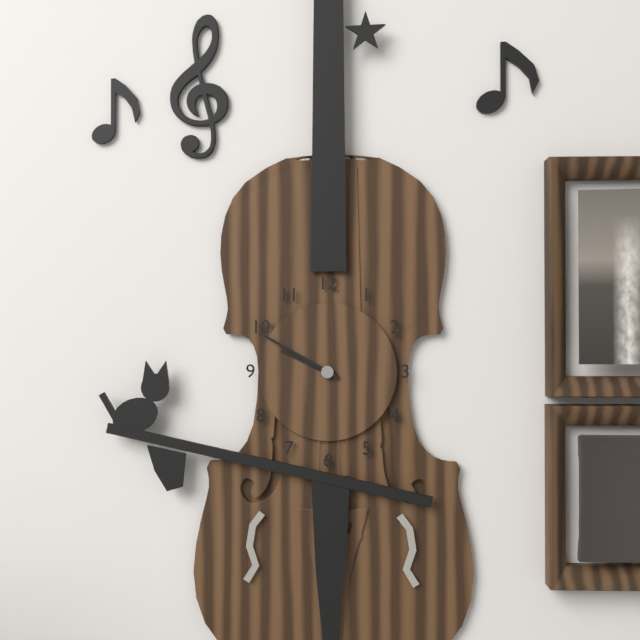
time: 9:50
